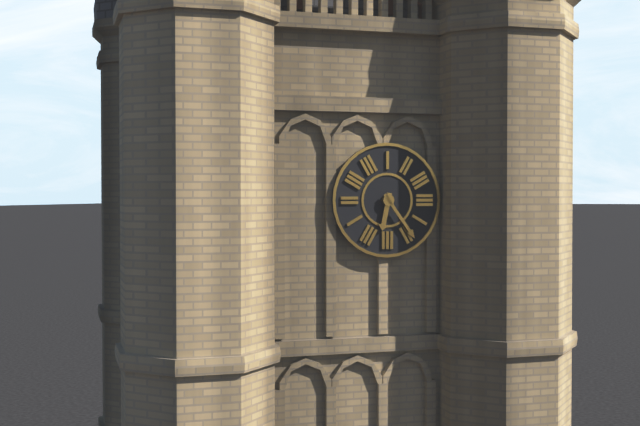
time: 6:24
